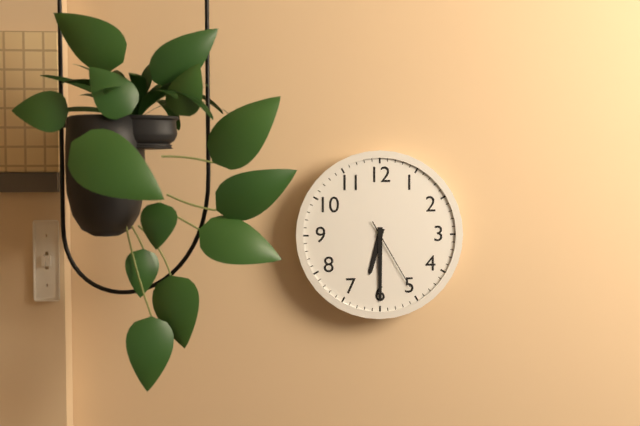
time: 6:30:25
